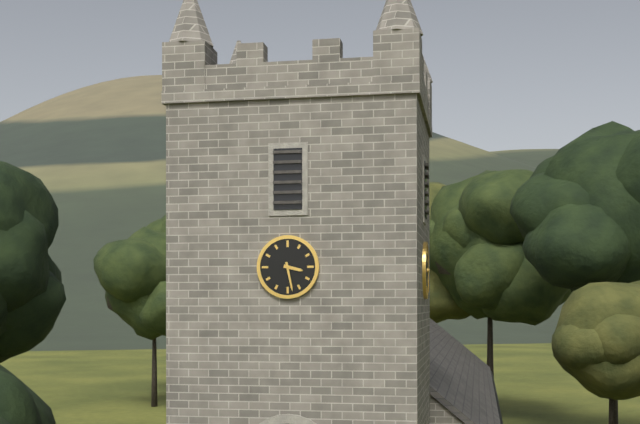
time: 3:28
